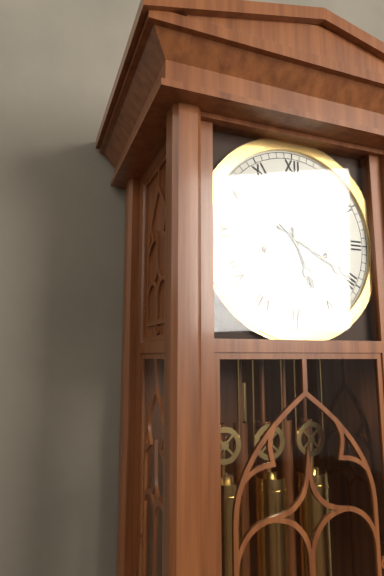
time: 5:20
